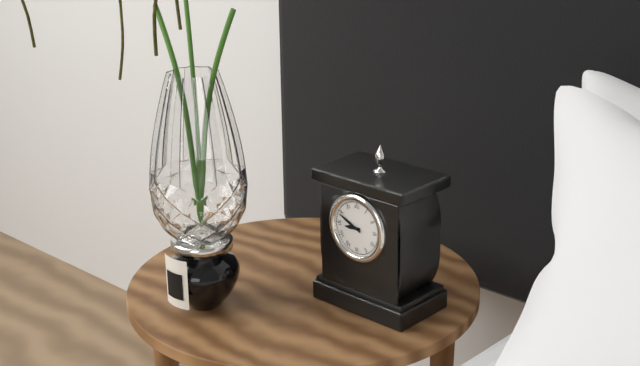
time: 8:49
